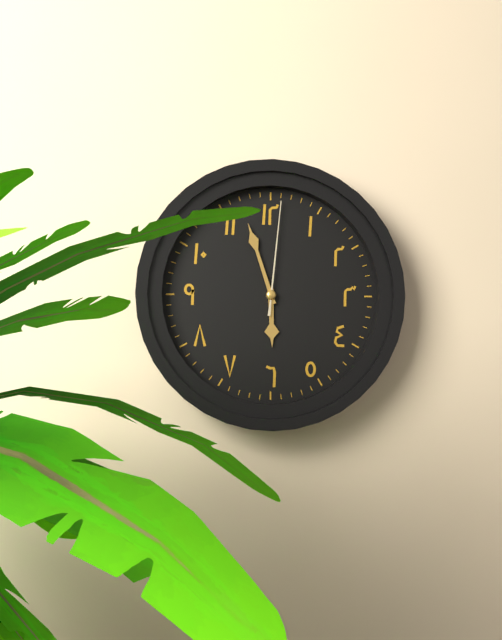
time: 5:57:01
